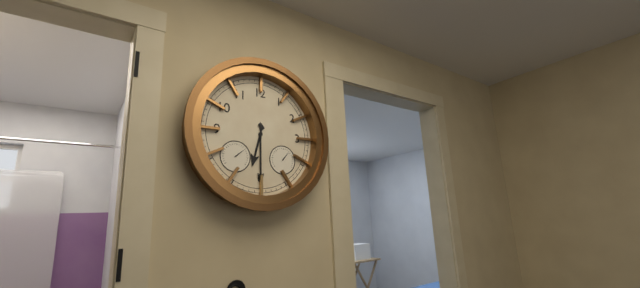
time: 6:30
